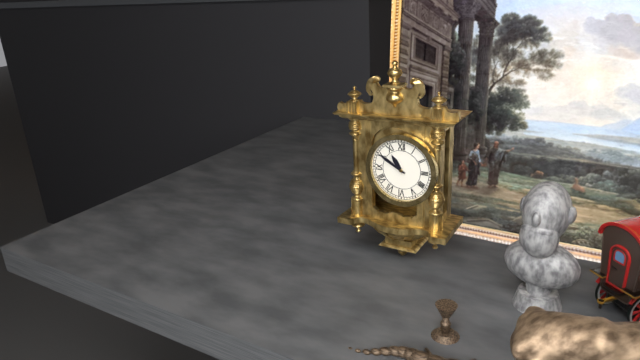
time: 10:50
